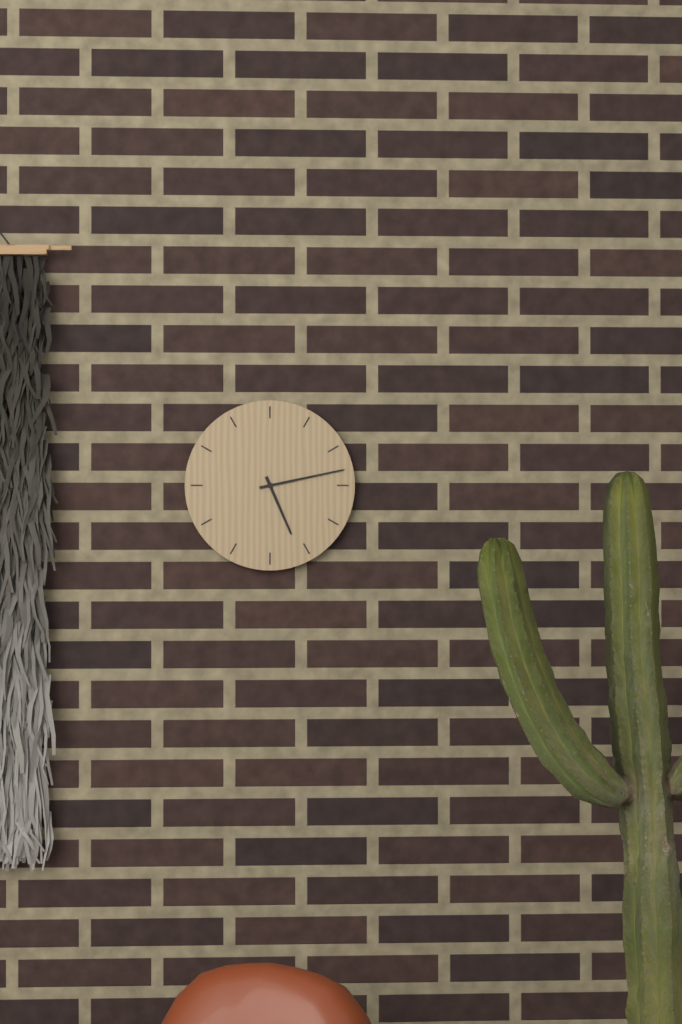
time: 5:13
